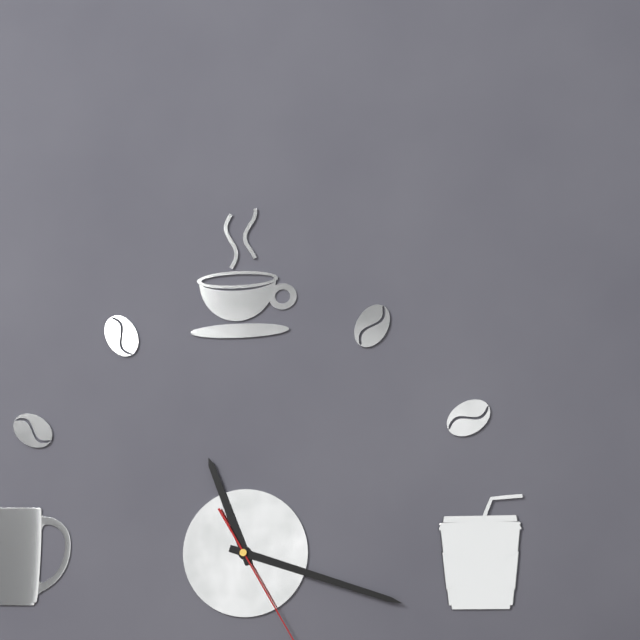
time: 11:18
